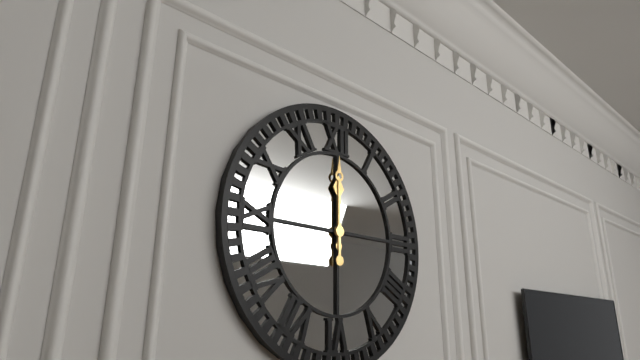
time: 12:00
